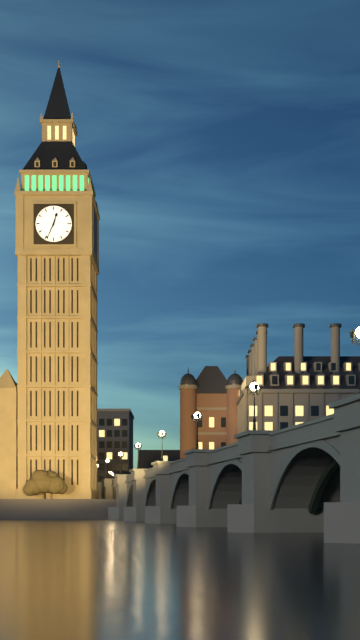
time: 12:34
